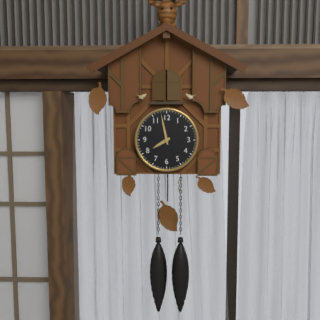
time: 7:58
